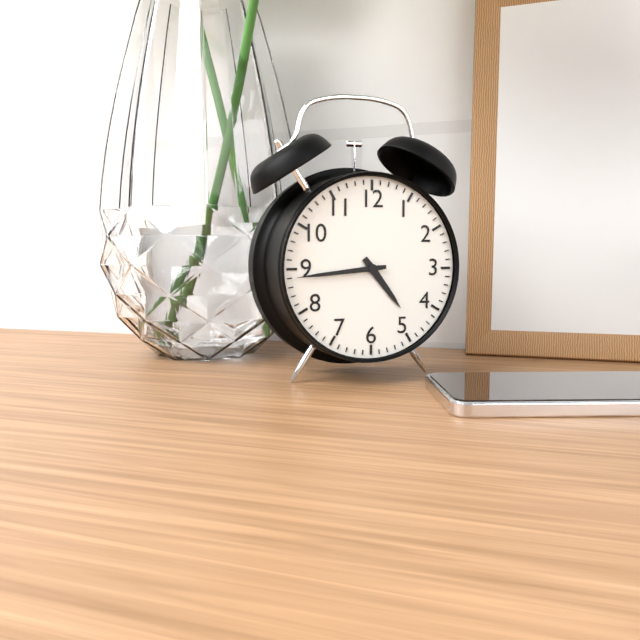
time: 4:44
